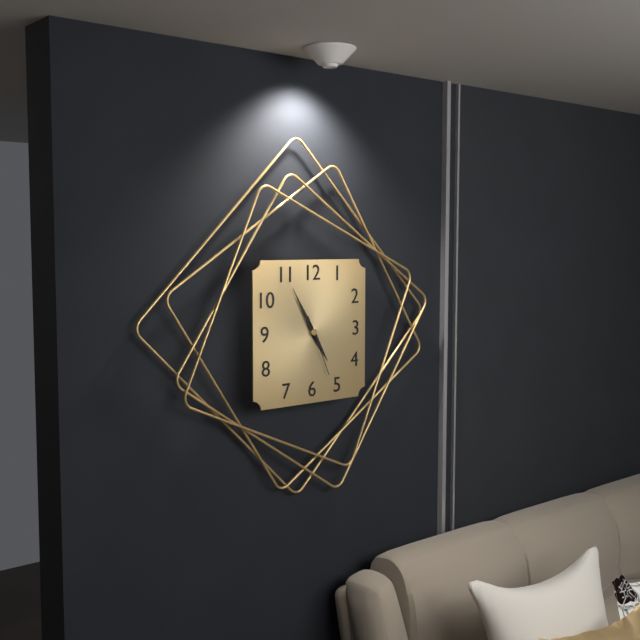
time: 4:55:26
